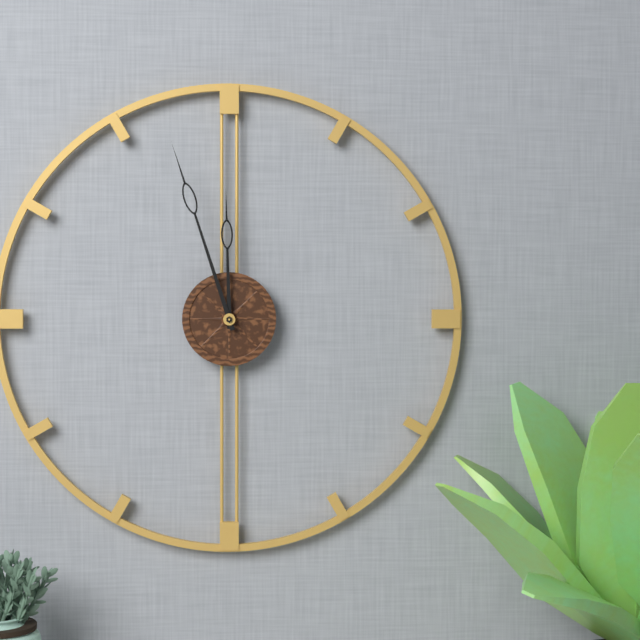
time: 11:57
